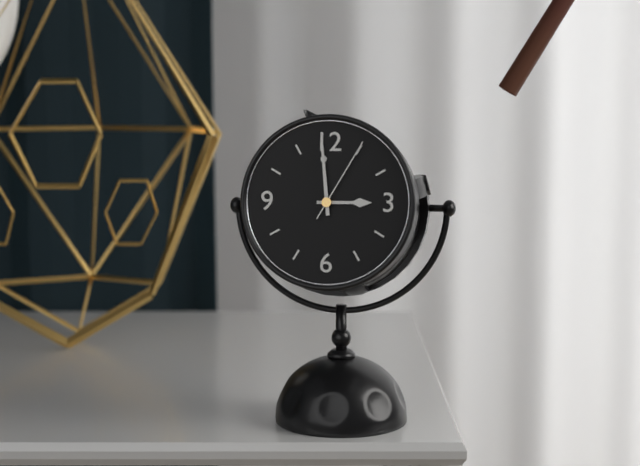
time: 2:59:05
